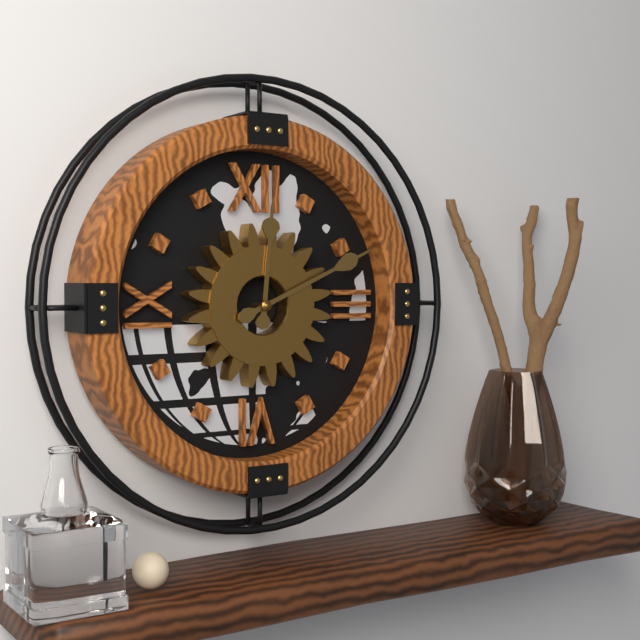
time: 12:11
